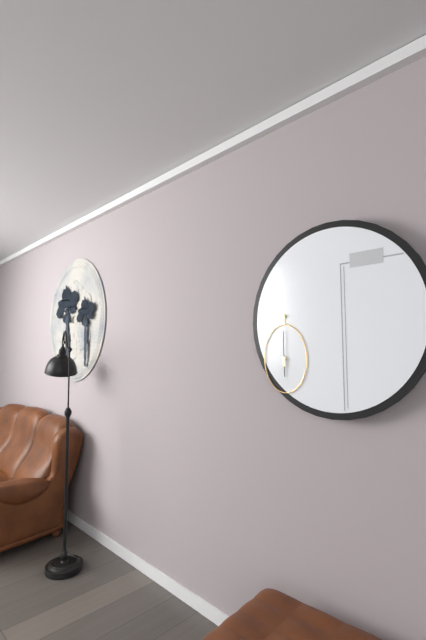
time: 6:00
